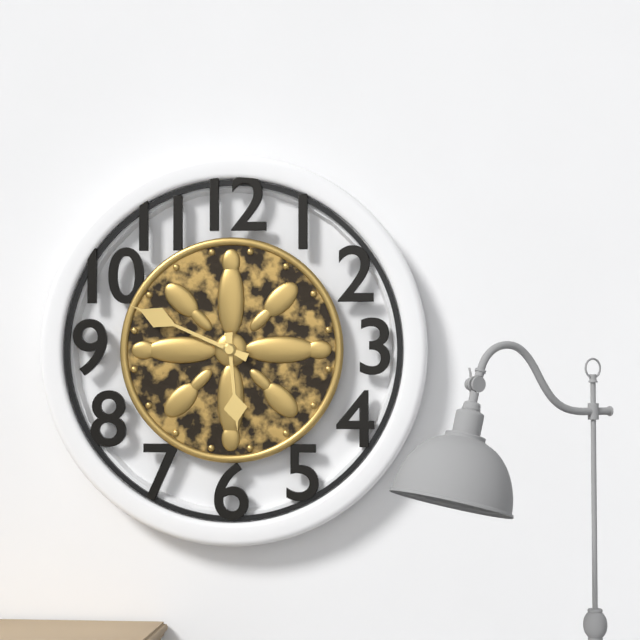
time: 5:49
